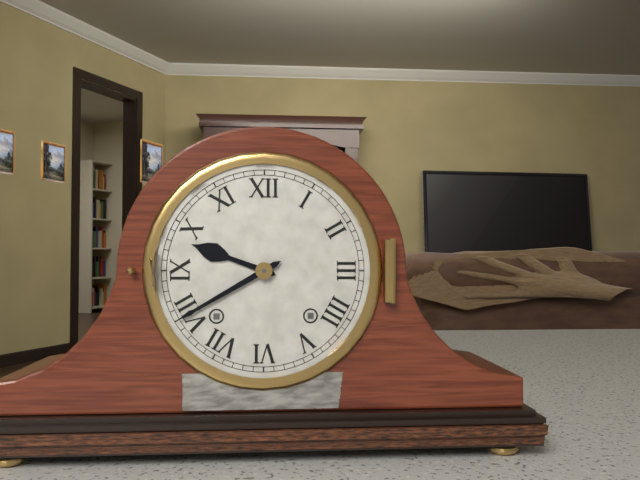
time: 9:40
